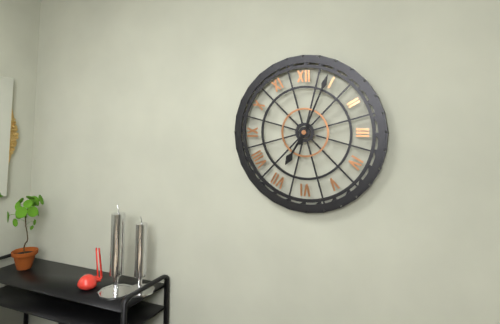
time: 7:04
